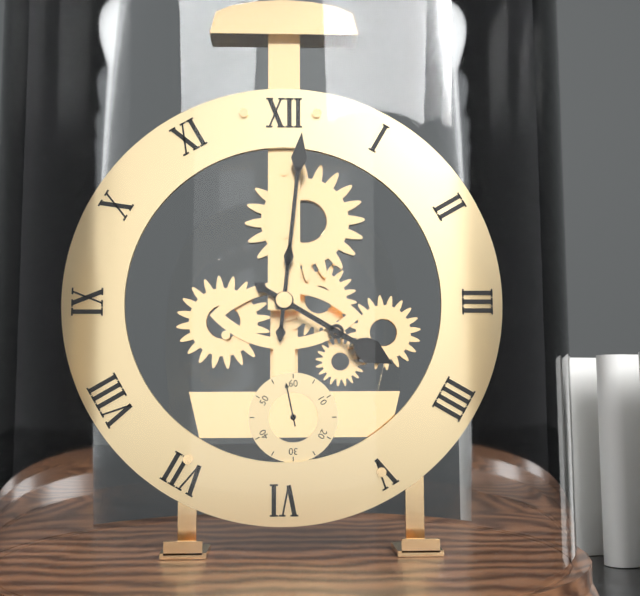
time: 4:01
